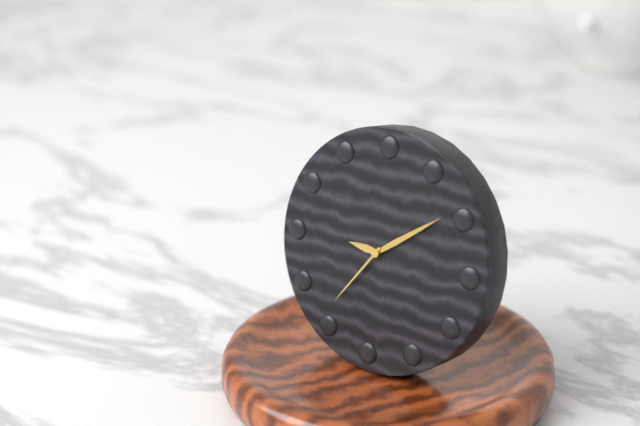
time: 9:09:36
